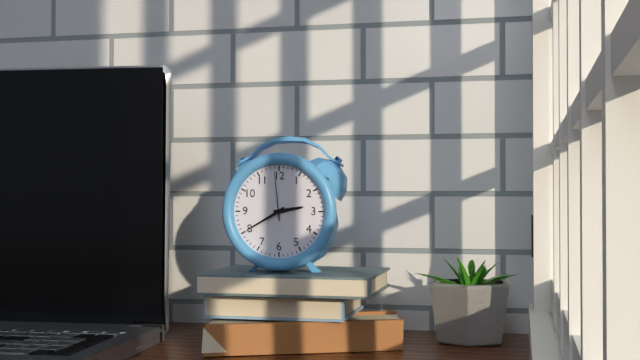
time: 2:40:59
